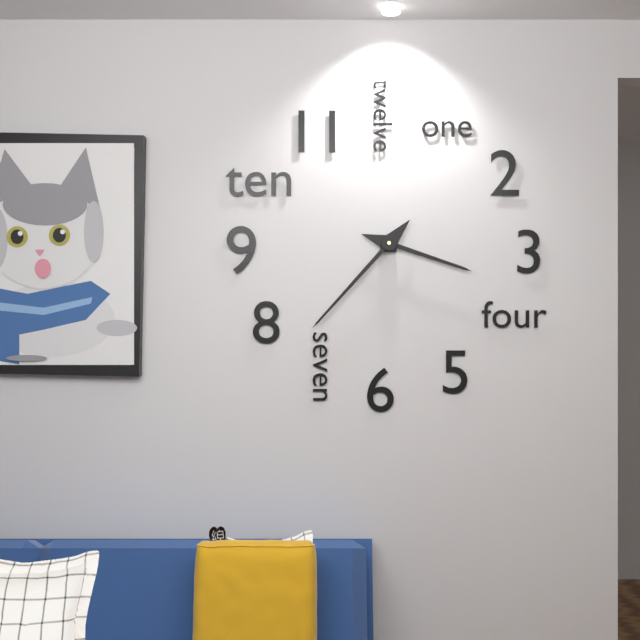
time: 3:37
